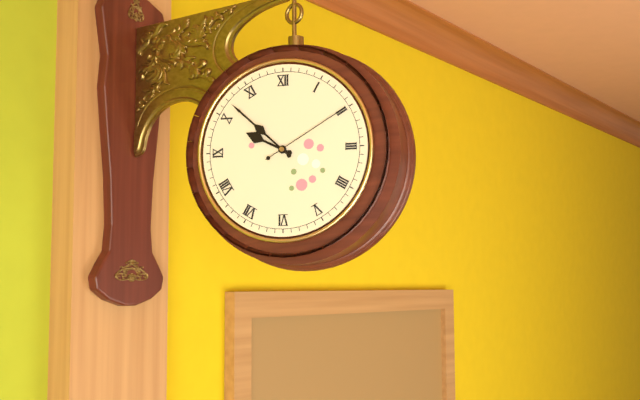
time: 9:52:10
